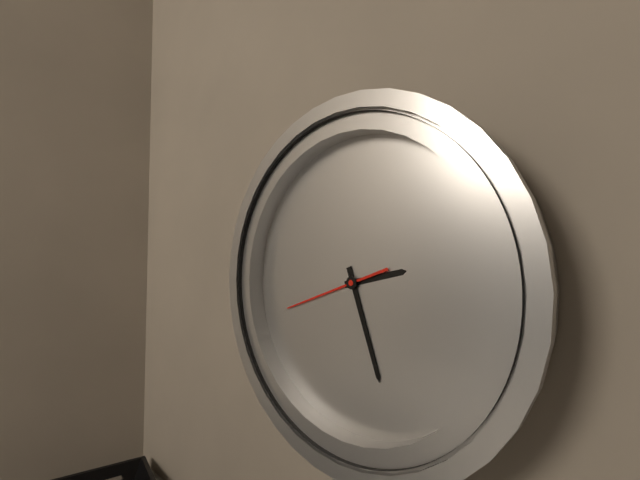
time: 2:26:41
